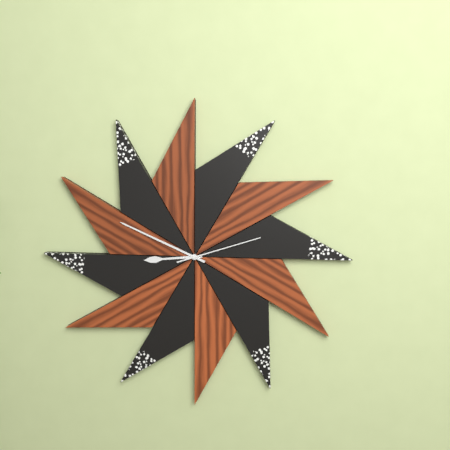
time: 8:49:12
